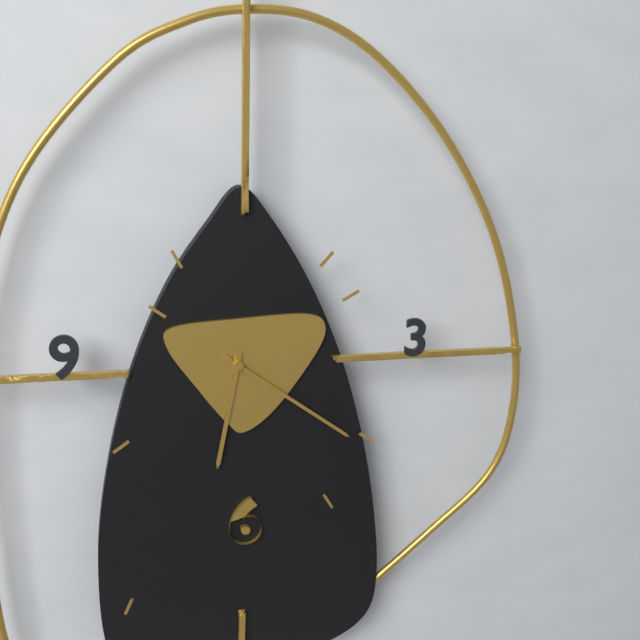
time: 6:21
